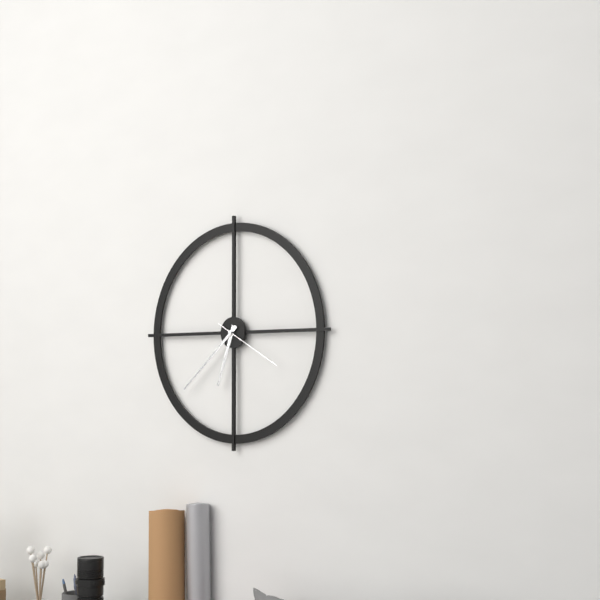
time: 6:38:20
